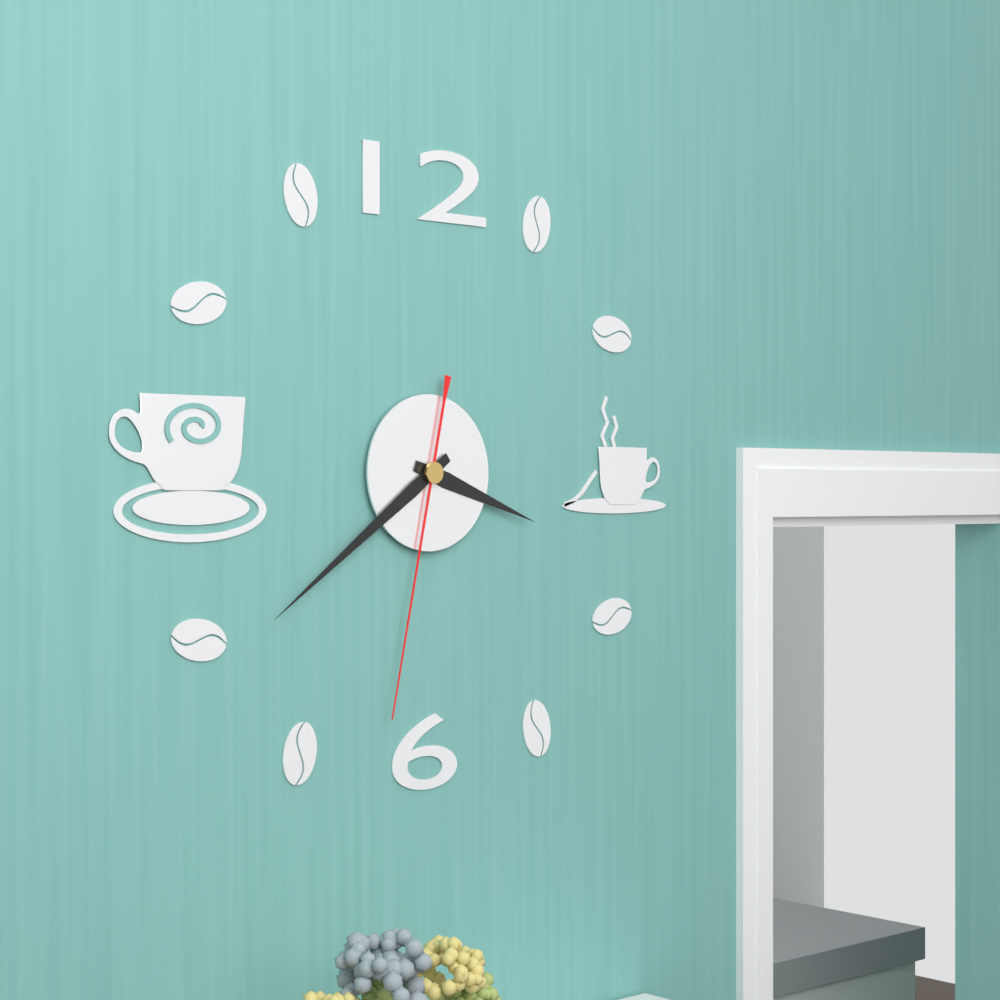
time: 3:39:32
